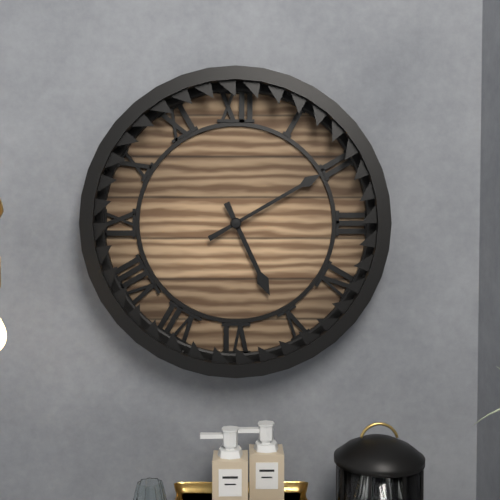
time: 5:10
